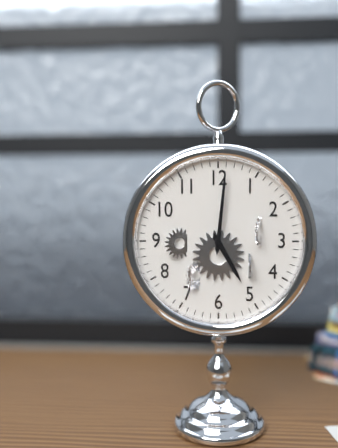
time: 5:01
